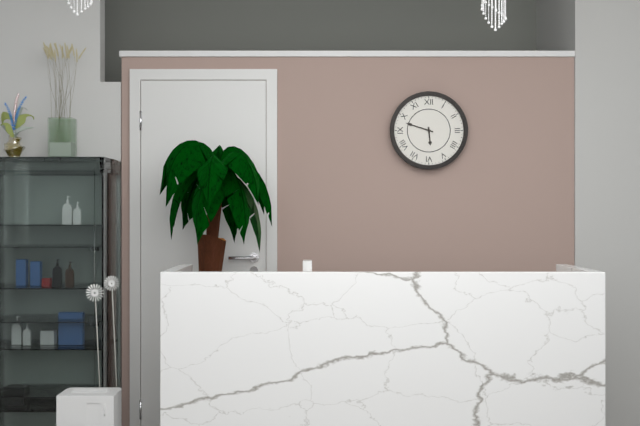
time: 5:48
